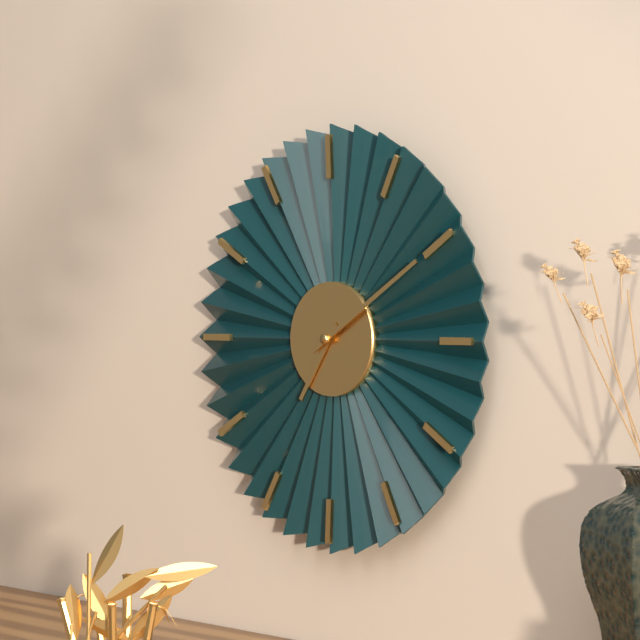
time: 7:10
